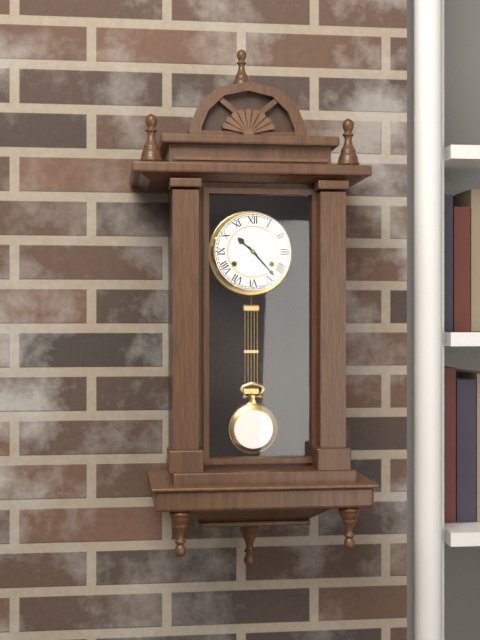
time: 10:23
